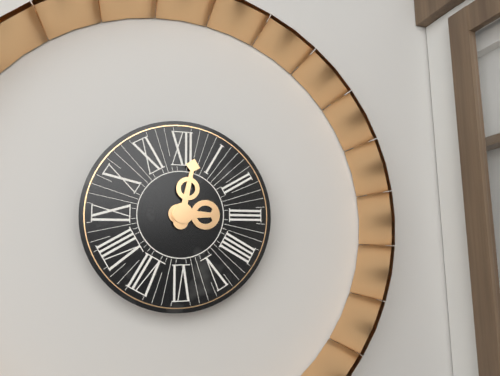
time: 3:02
